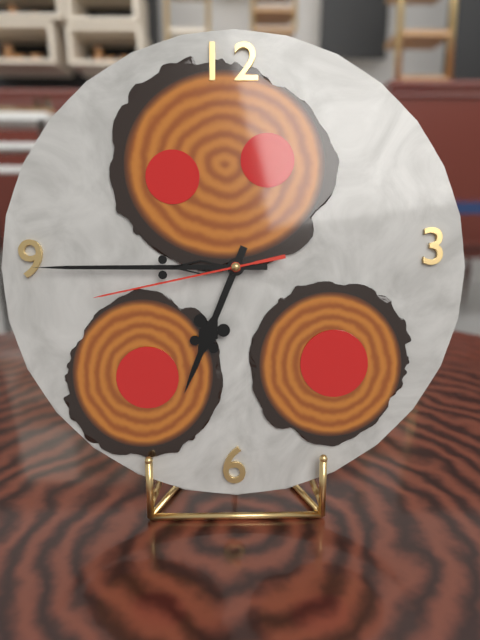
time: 6:45:43
